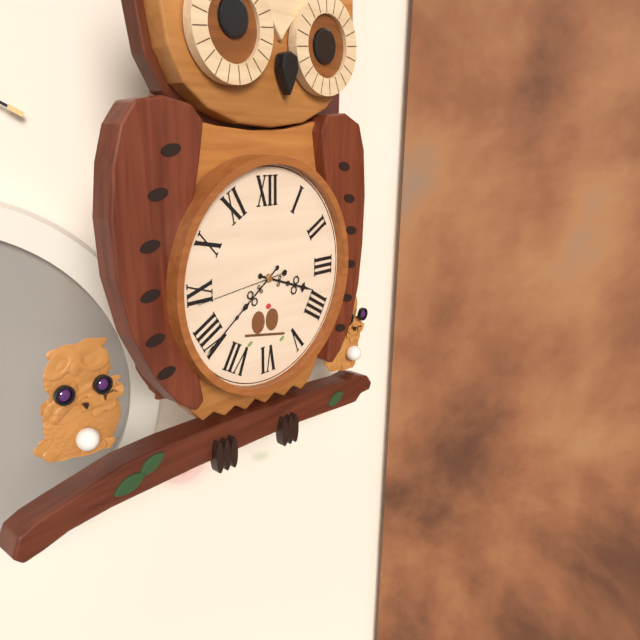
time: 3:39:44
